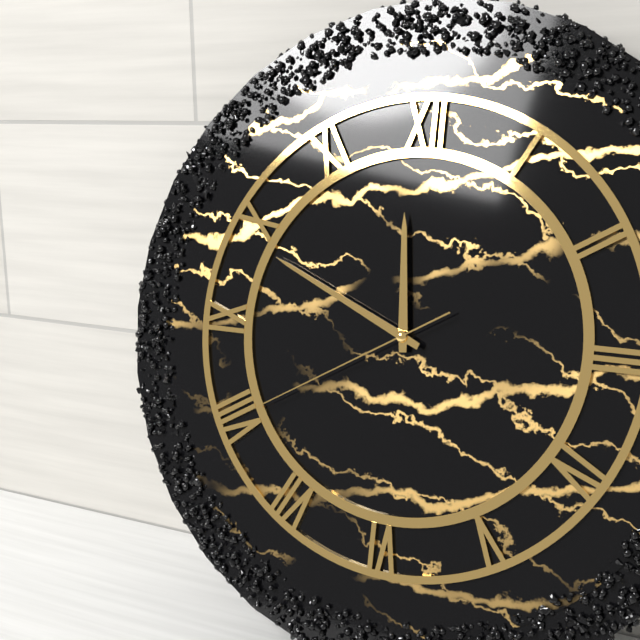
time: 11:49:40
